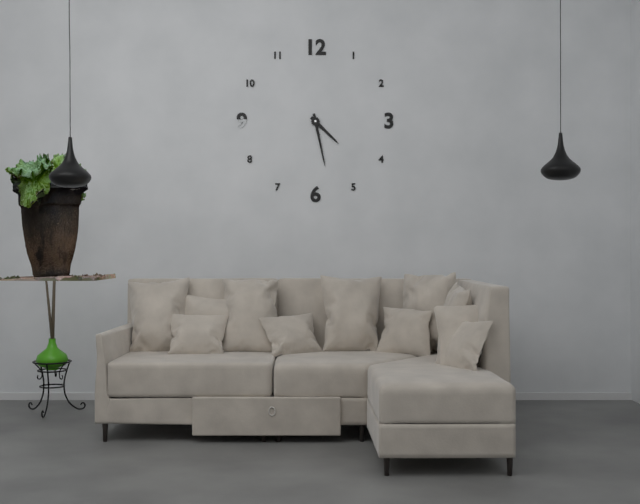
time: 4:28
